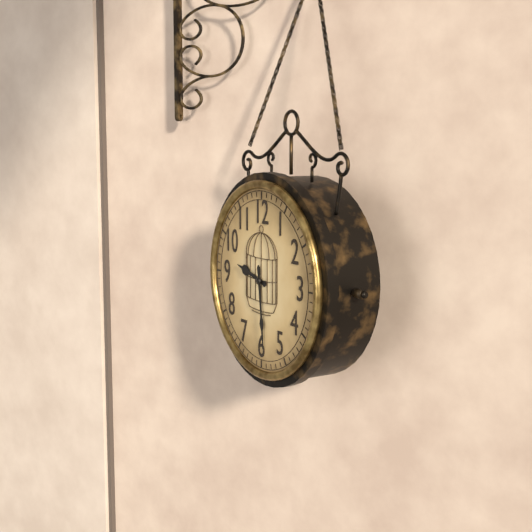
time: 9:29
